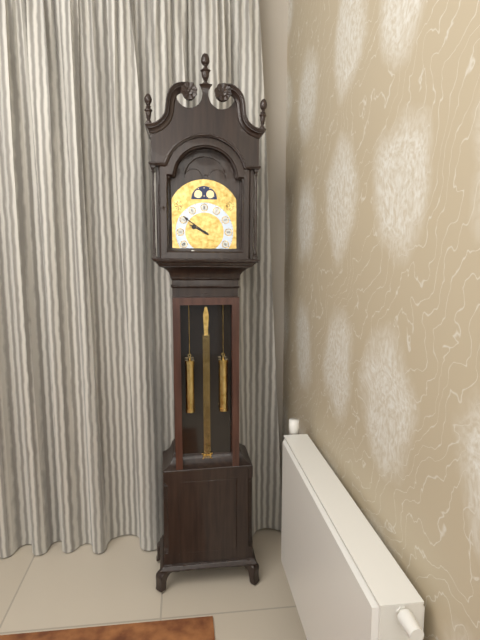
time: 9:51
